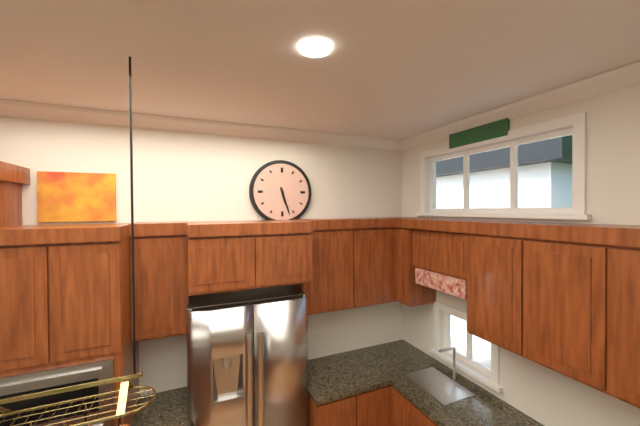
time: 5:27
